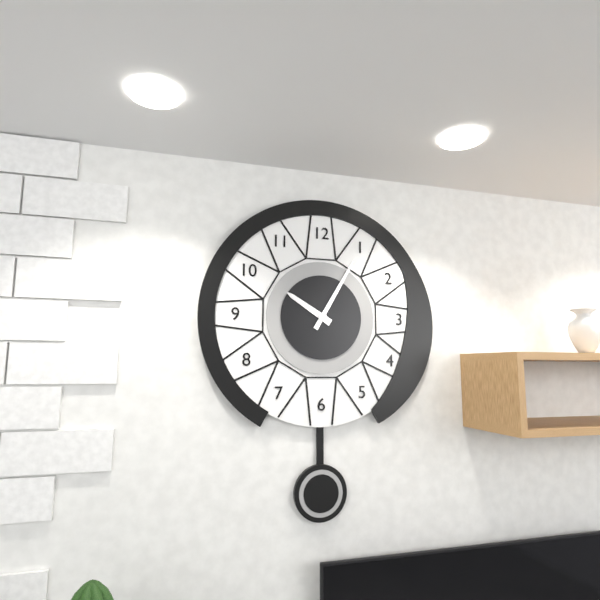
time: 10:05
